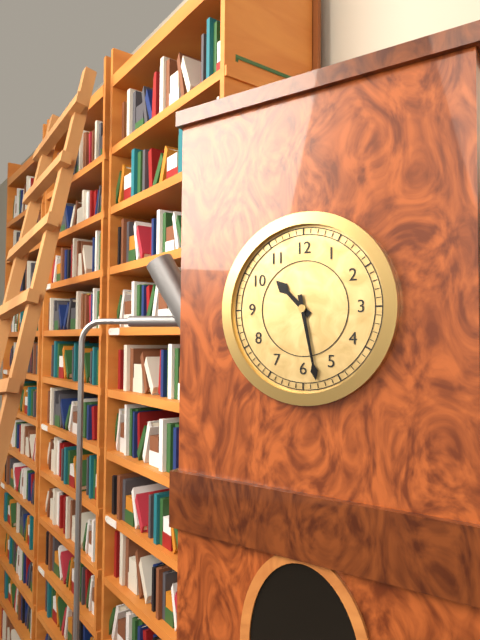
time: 10:28
